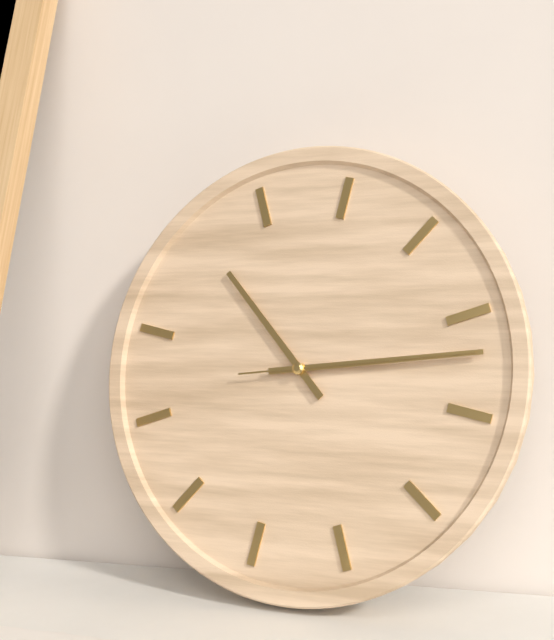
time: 10:12:12
